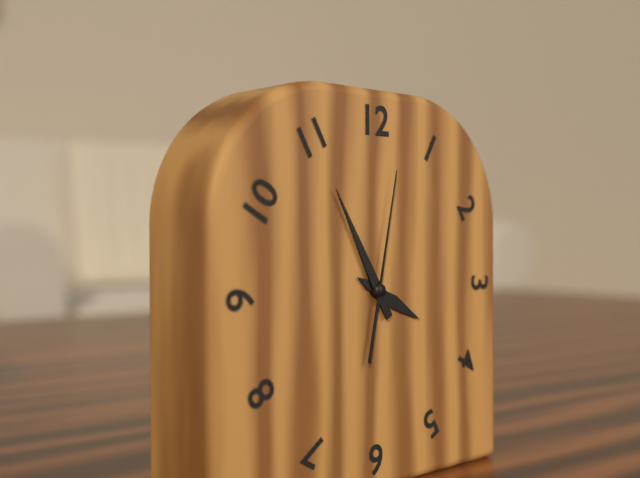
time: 3:55:02
